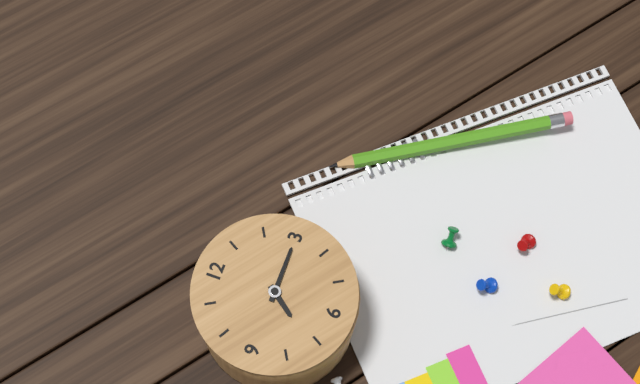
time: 7:15
